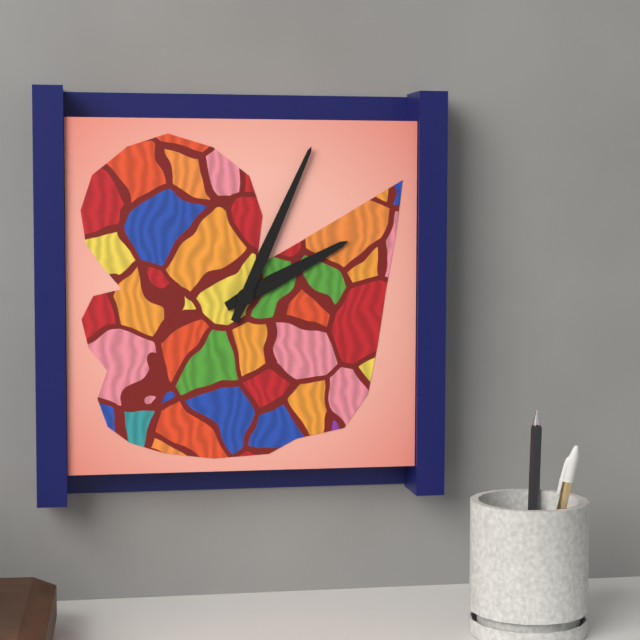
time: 2:04
